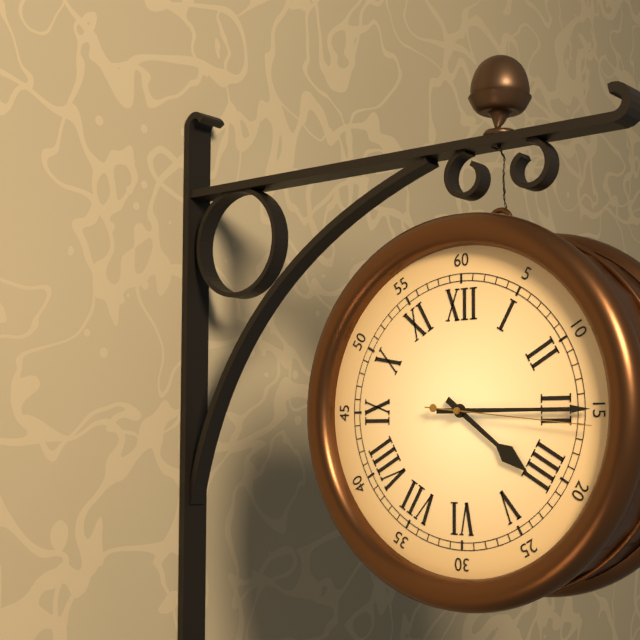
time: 4:15:16
